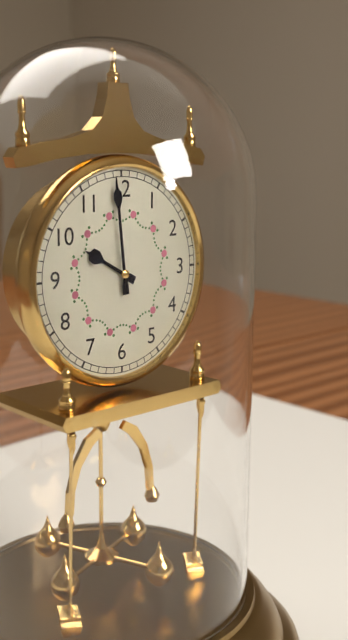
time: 9:59
